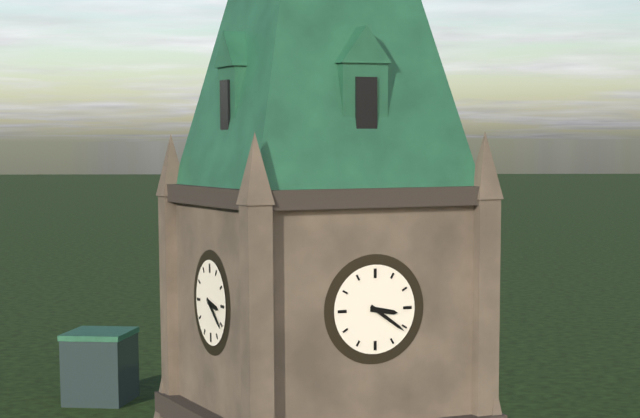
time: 3:21
